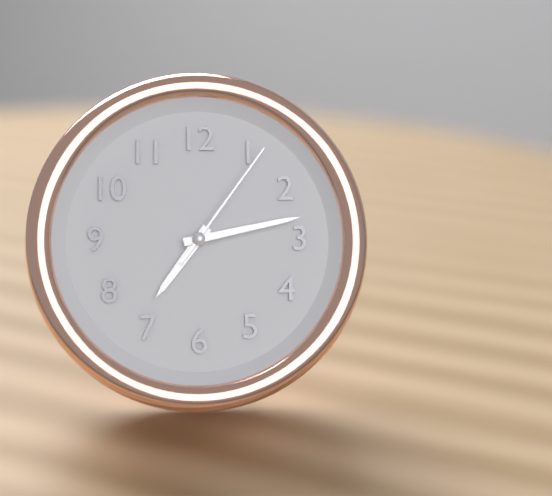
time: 7:13:06
